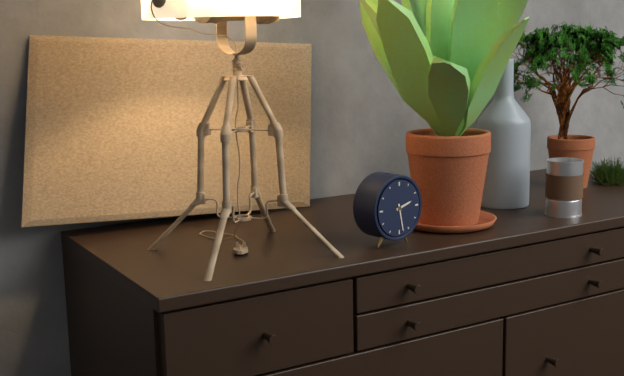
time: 2:28
